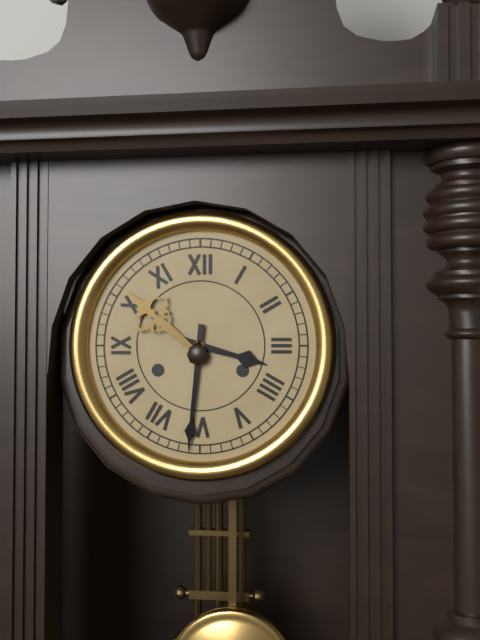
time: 3:31
